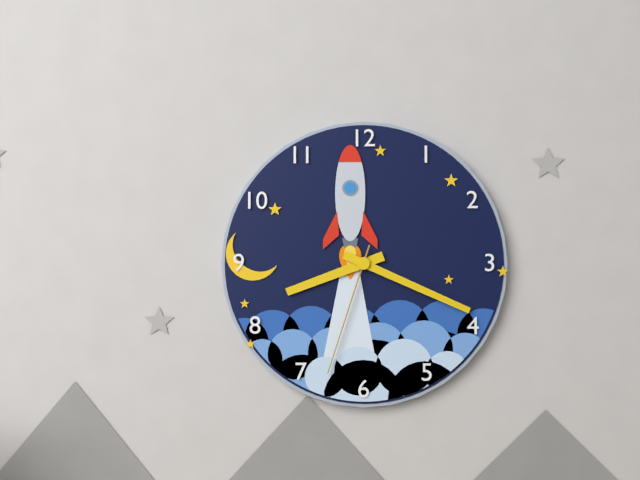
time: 8:19:33
